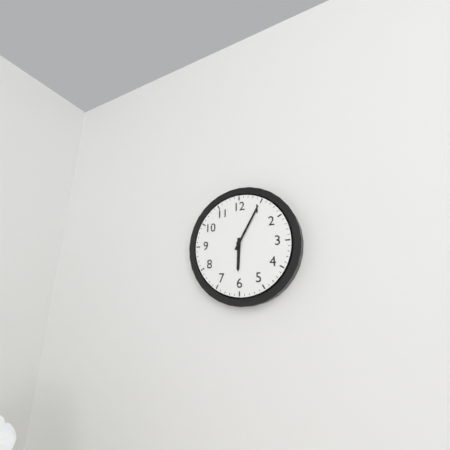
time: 6:05
